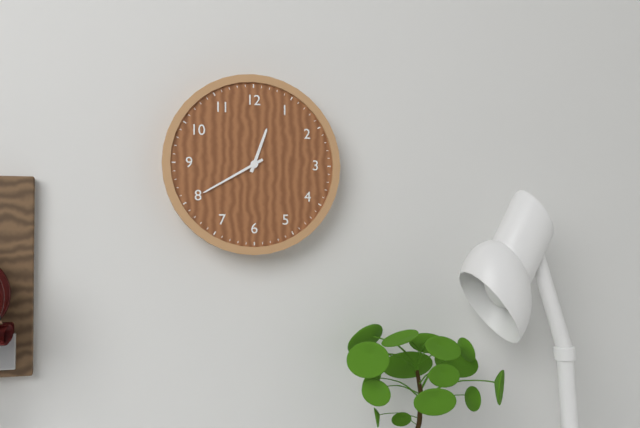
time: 12:40
